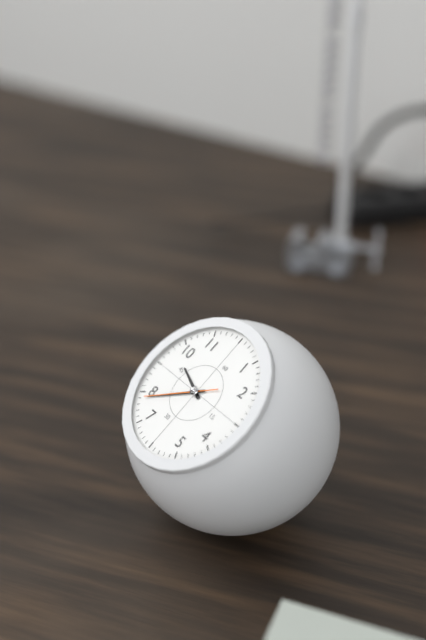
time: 9:39:39
